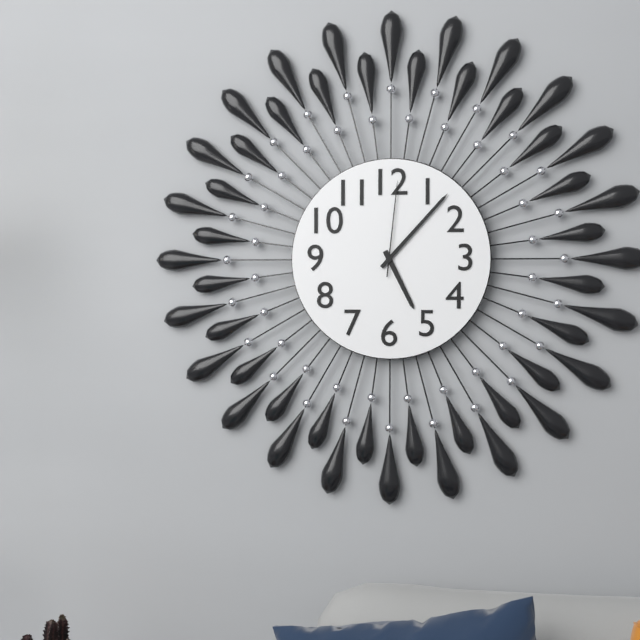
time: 5:07:01
